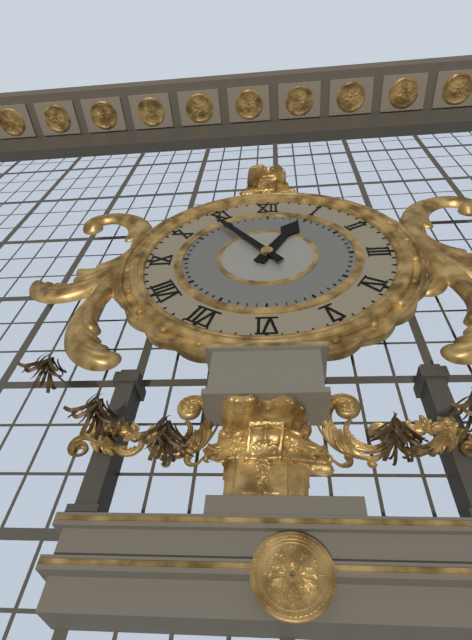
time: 12:54
